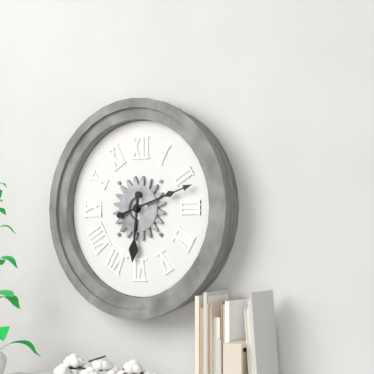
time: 6:12
